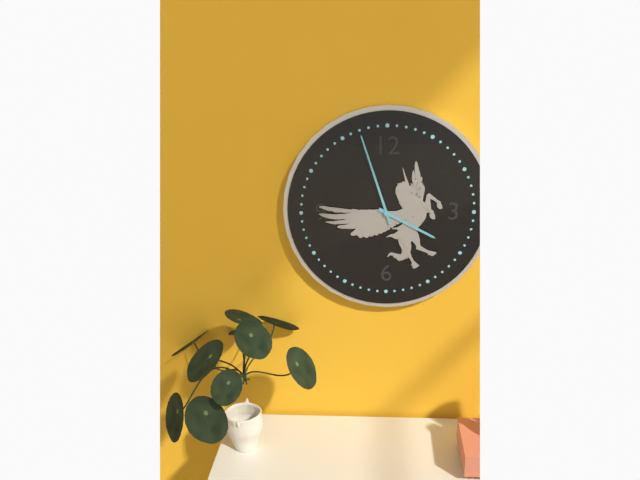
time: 3:57
